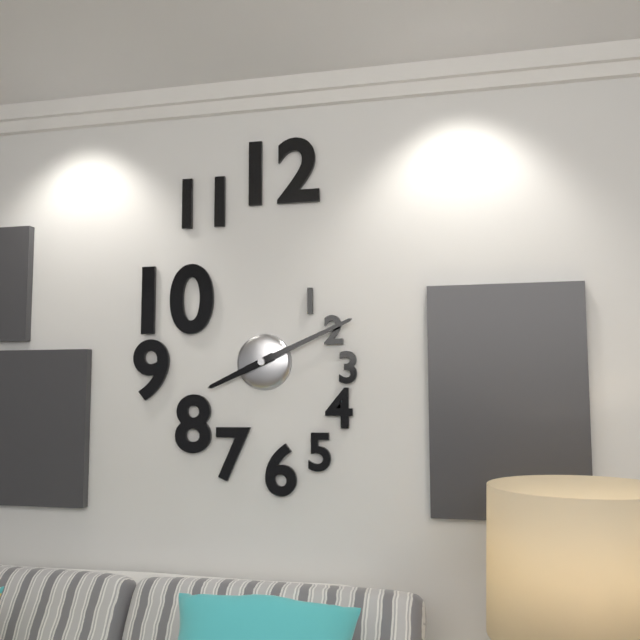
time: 8:11
